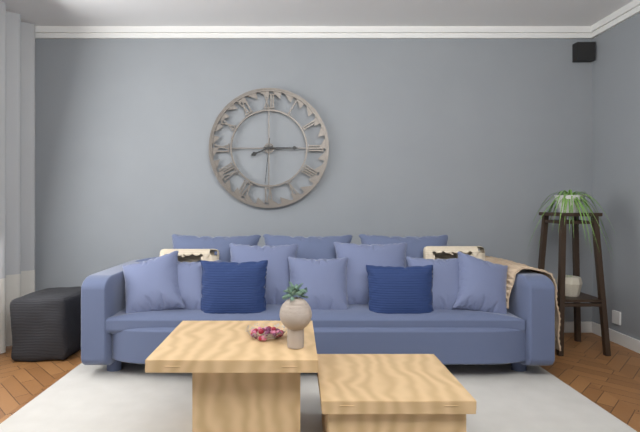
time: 8:15
